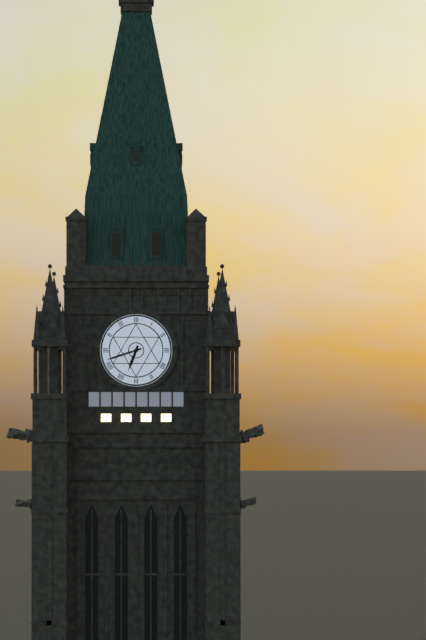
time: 6:42
